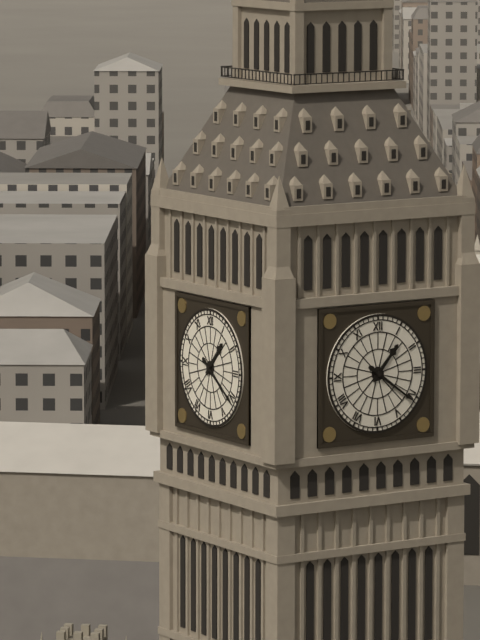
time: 1:21
